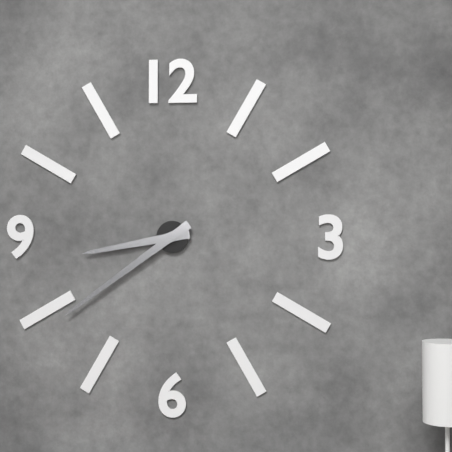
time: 8:39
